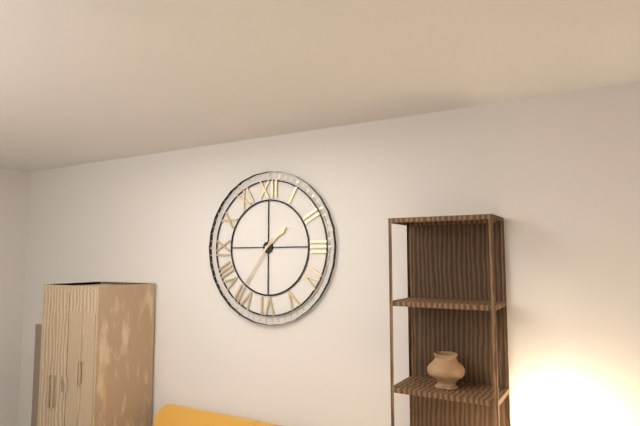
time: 1:36
